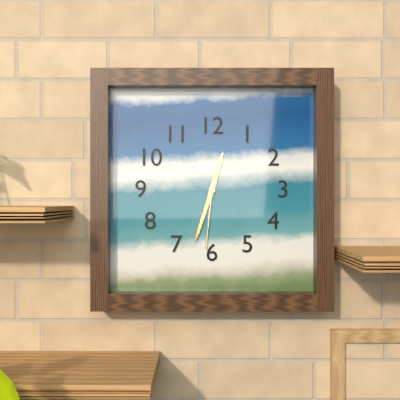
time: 12:33:31
